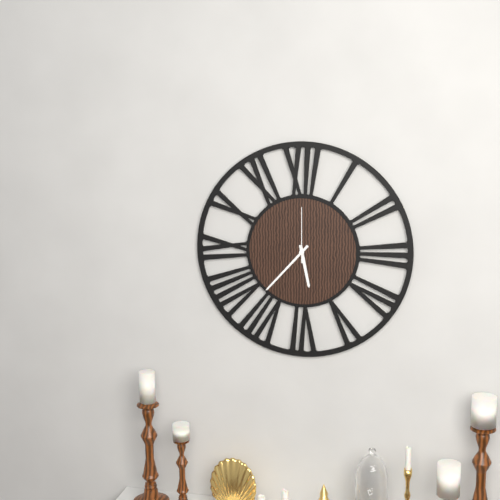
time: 5:37:00
